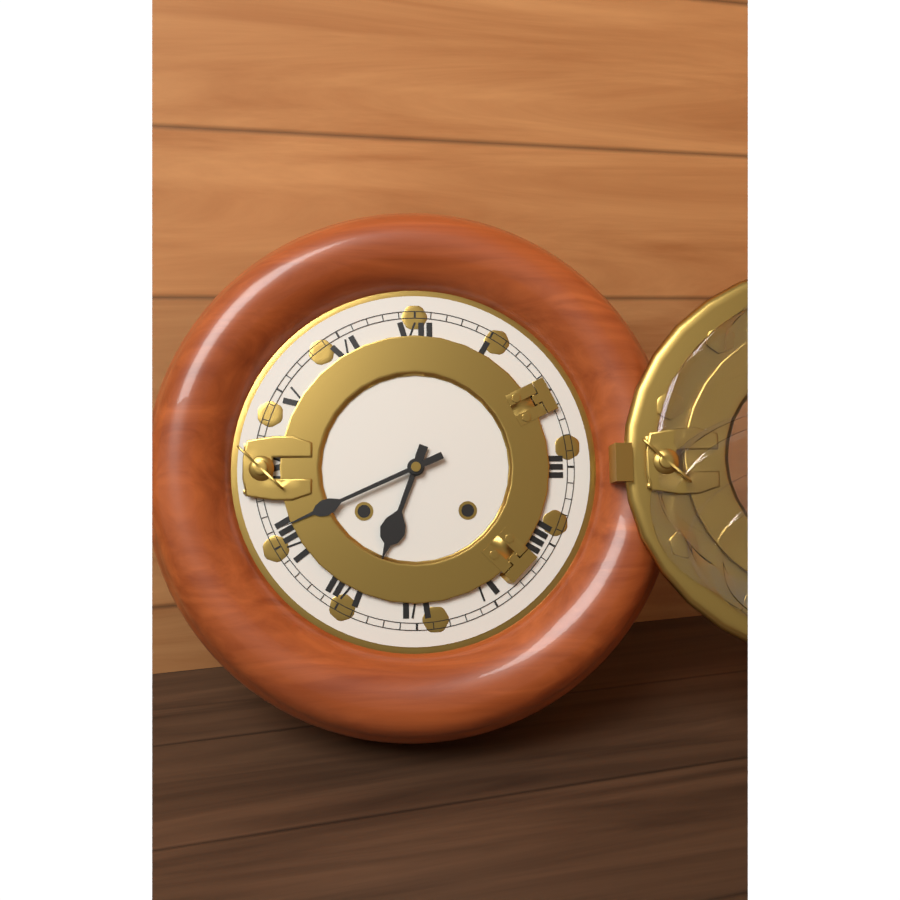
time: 6:41
